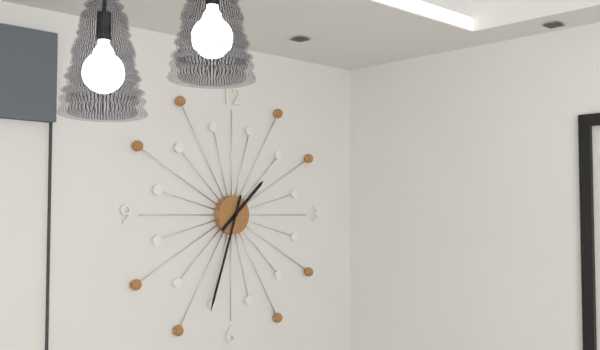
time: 1:33
